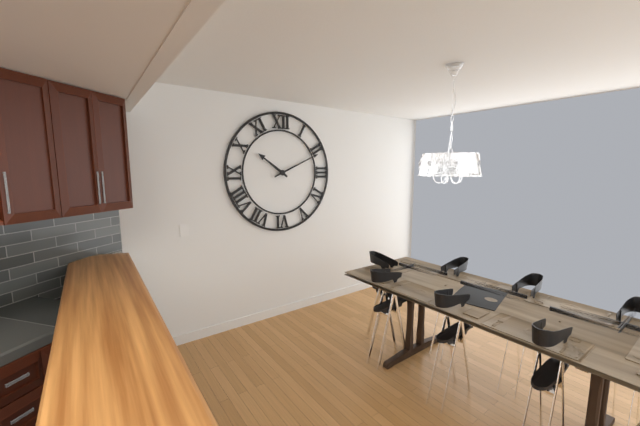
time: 10:11
